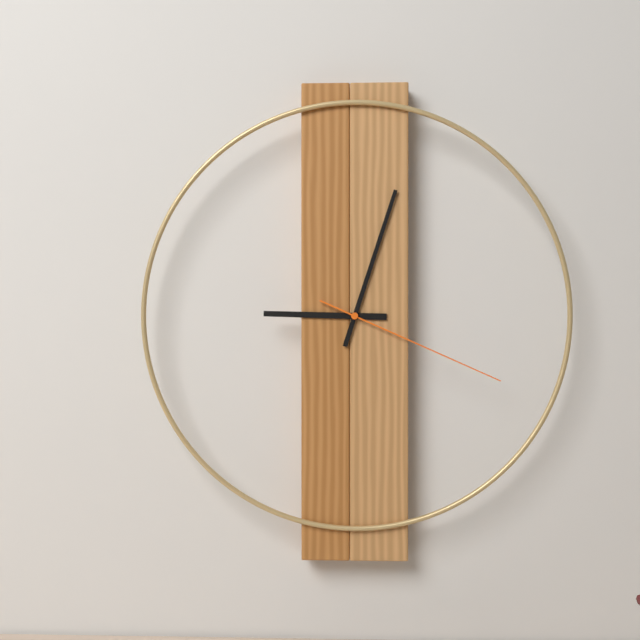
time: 9:03:19
